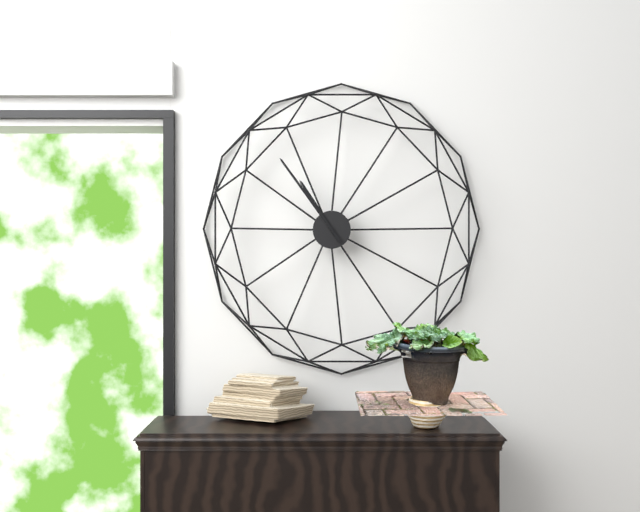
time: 10:54
